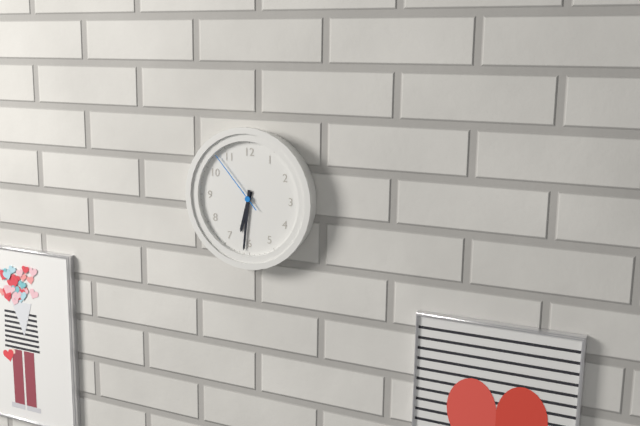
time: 6:31:53
